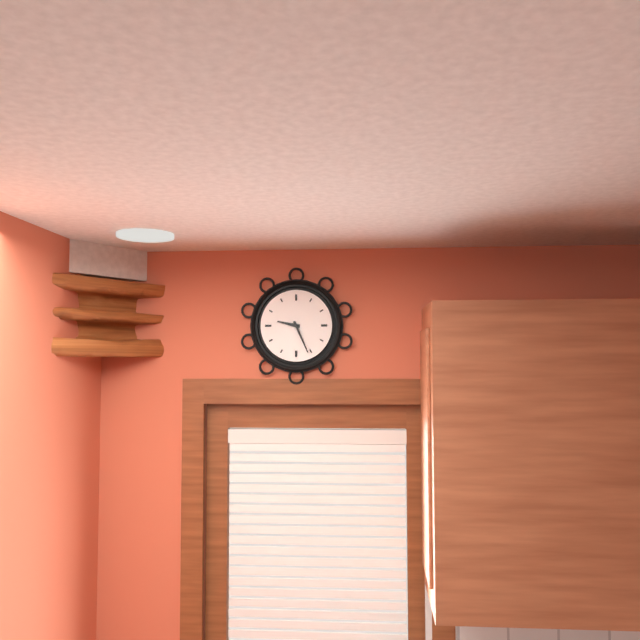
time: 9:26
